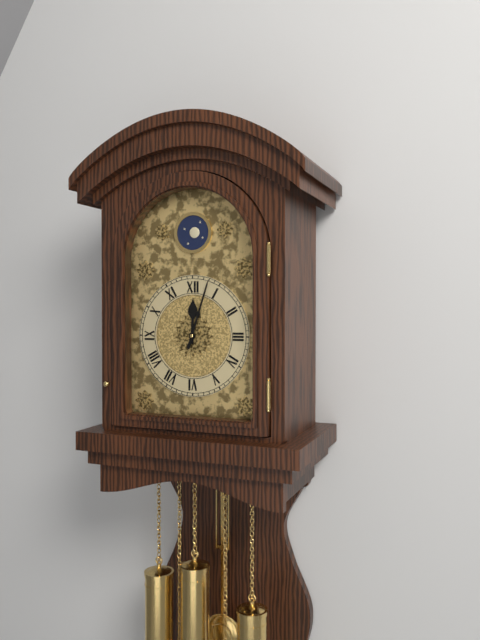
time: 12:03
